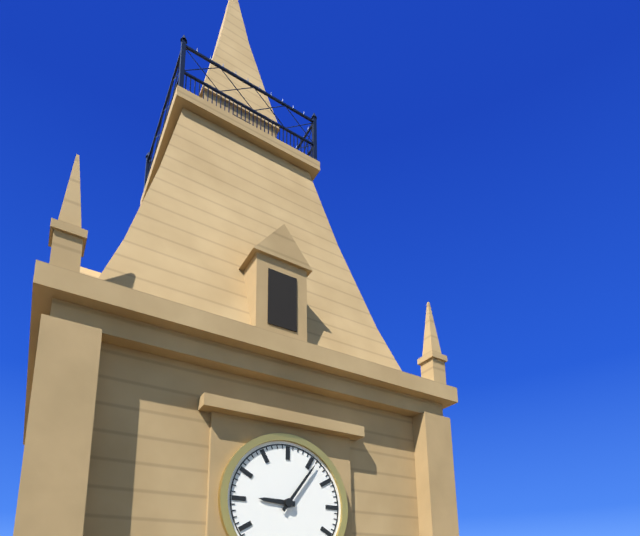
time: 9:06
